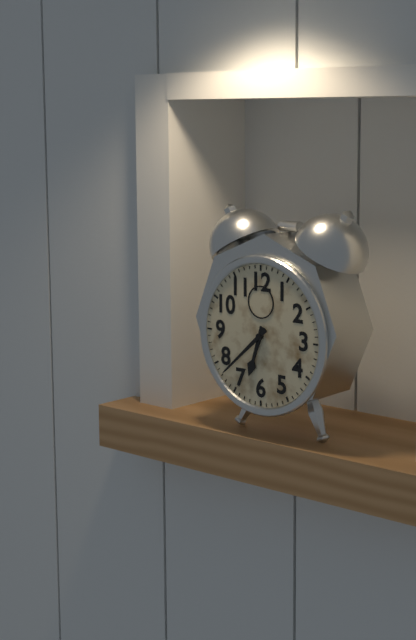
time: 6:38
